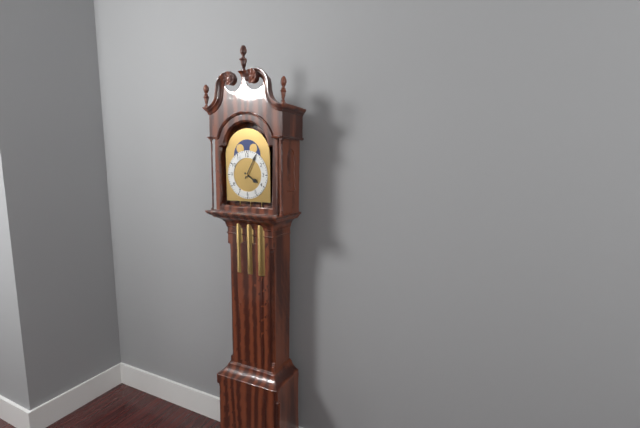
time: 4:05
